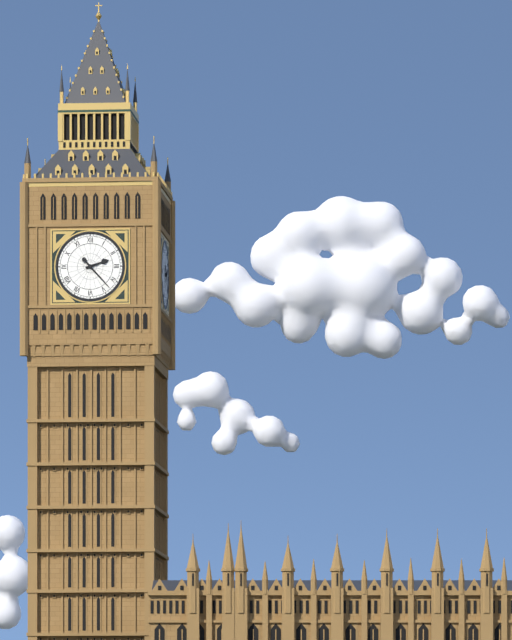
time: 2:23
